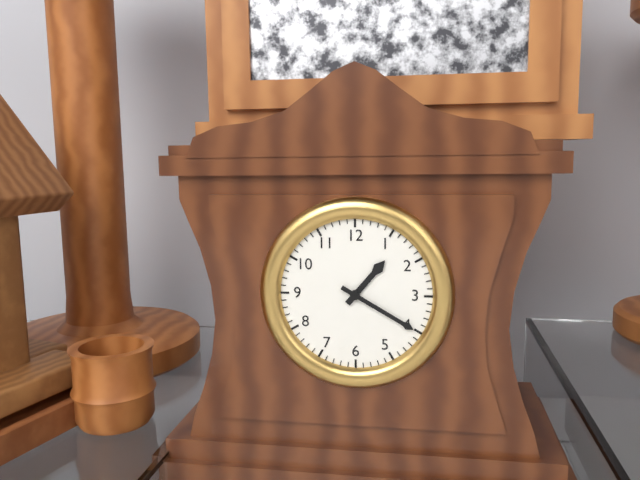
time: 1:20
